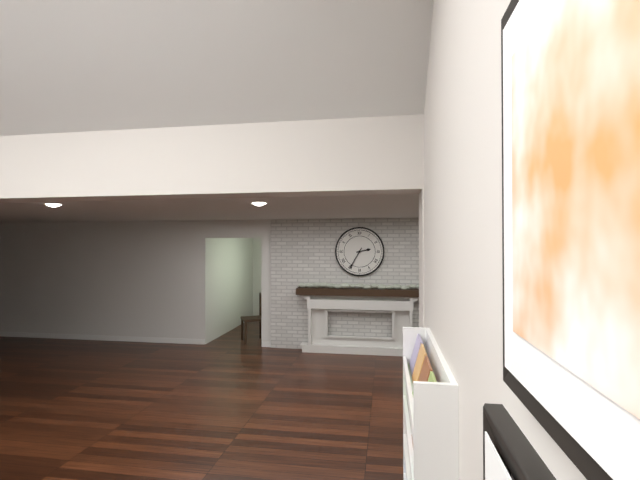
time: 2:35
